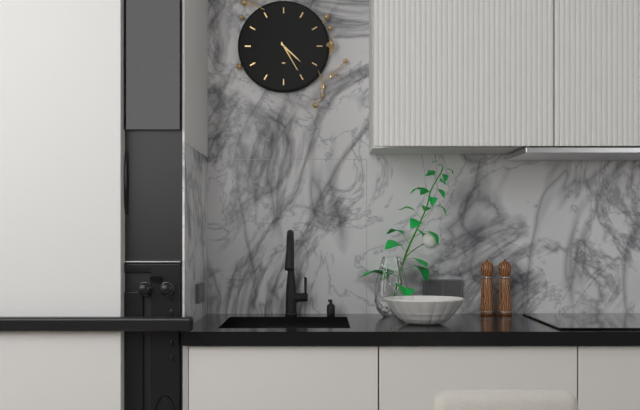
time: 4:25
